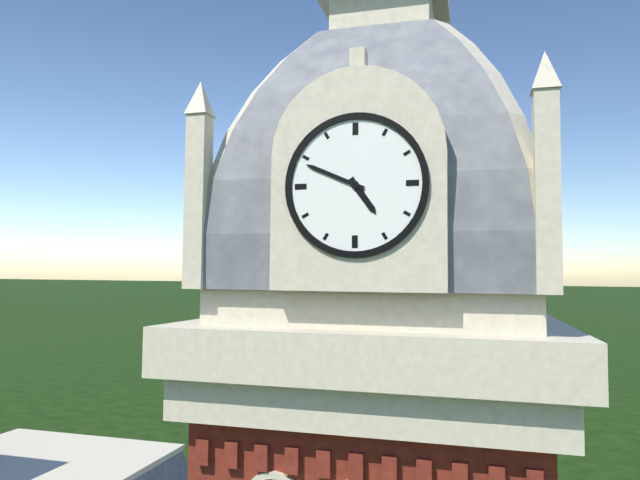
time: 4:49
